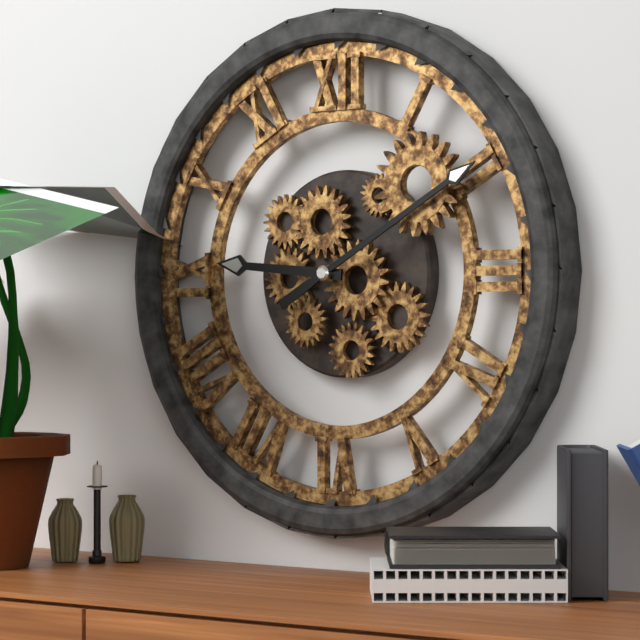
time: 9:10
